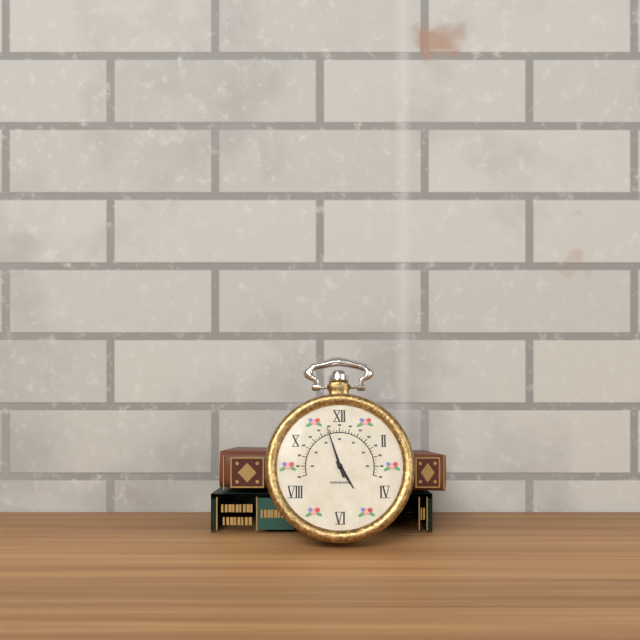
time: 4:57
